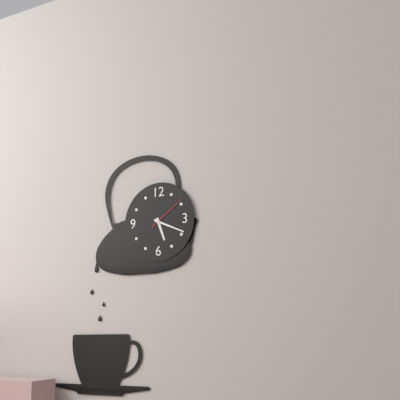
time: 5:19
